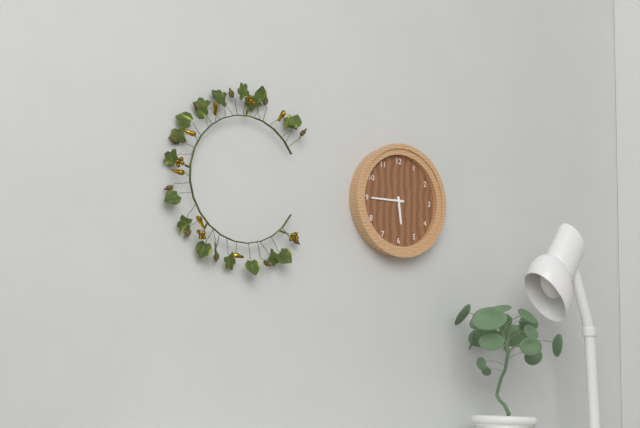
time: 5:45
